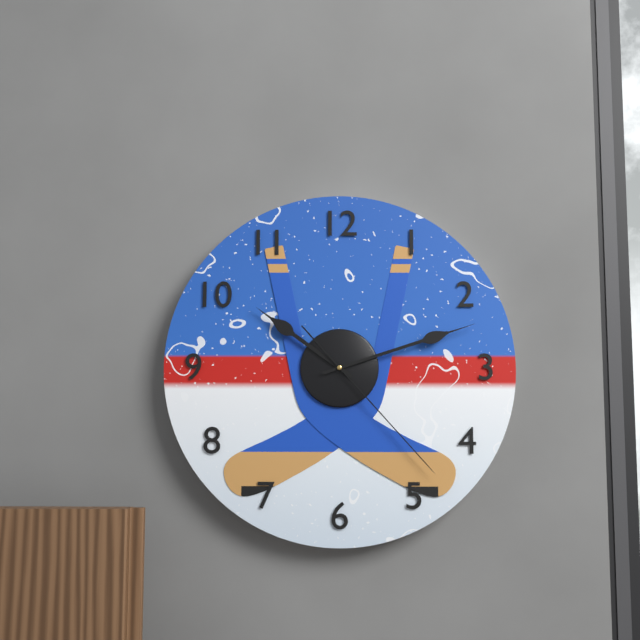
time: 10:12:23
